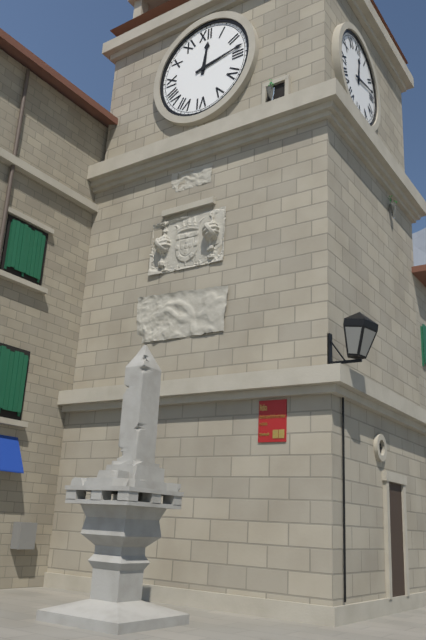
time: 12:13
